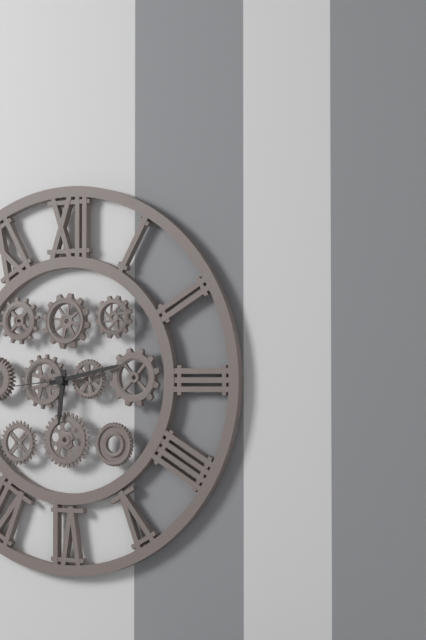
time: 6:13:44
